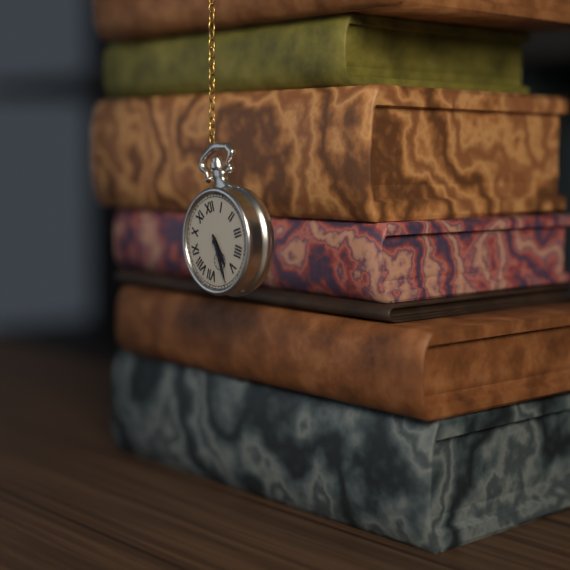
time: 5:29
